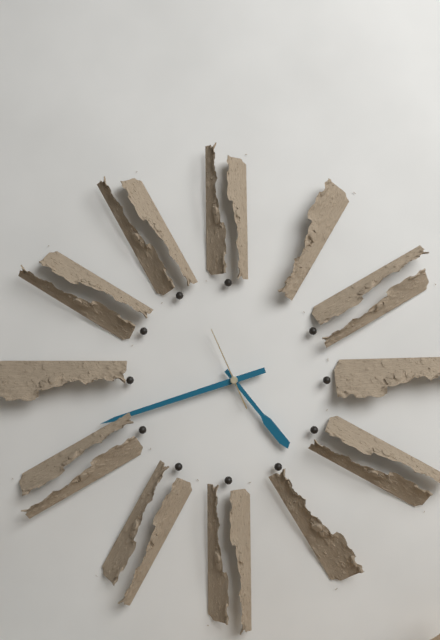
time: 4:42:56
